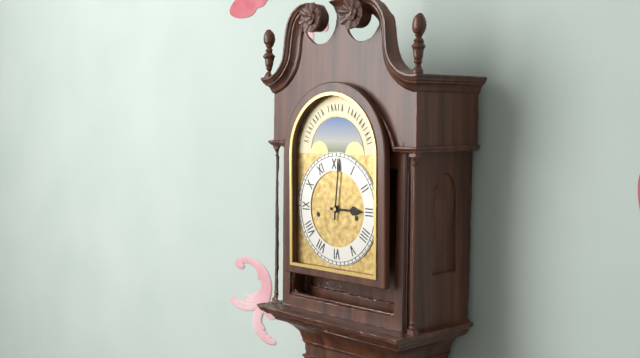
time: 3:01
